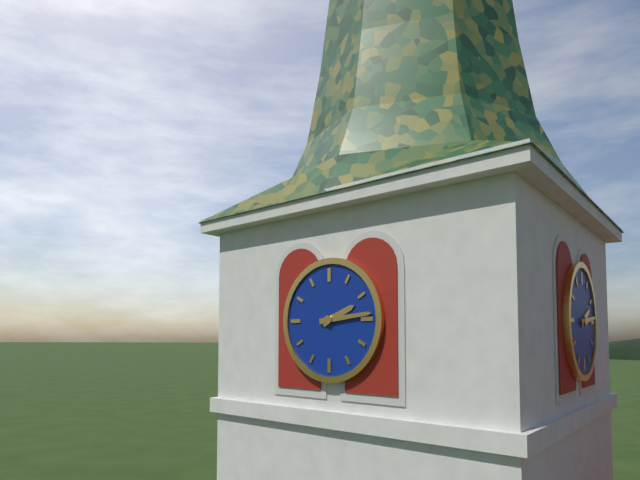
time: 2:14
